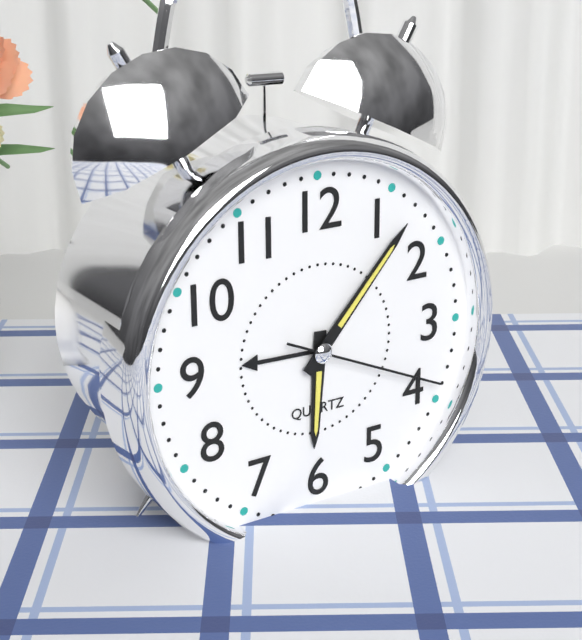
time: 6:07:19
